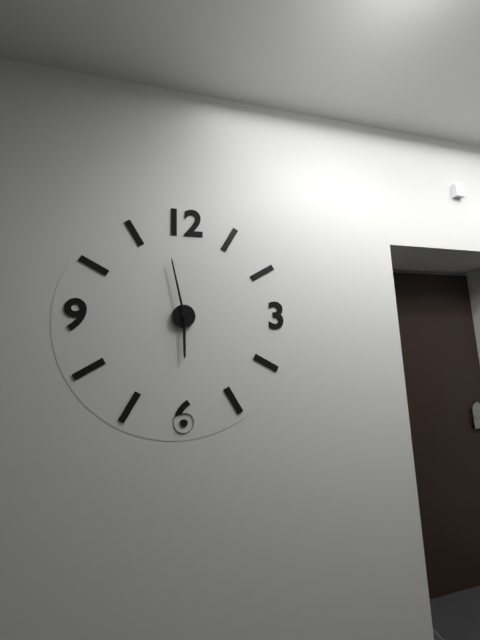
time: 5:58
